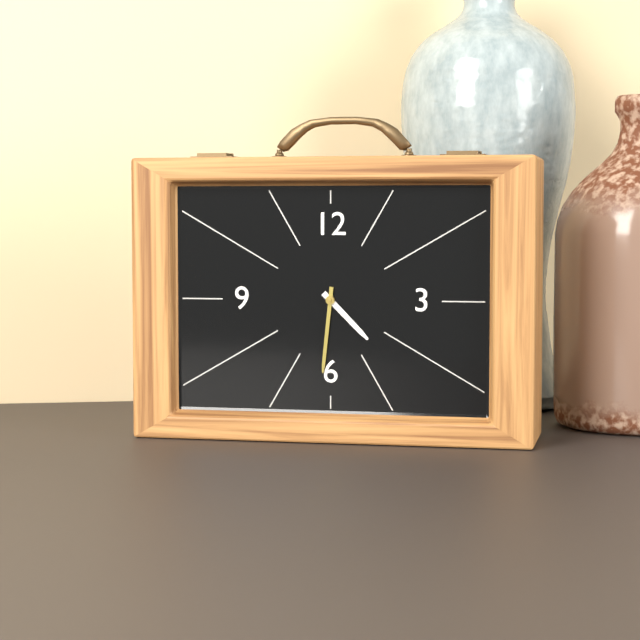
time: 4:31
